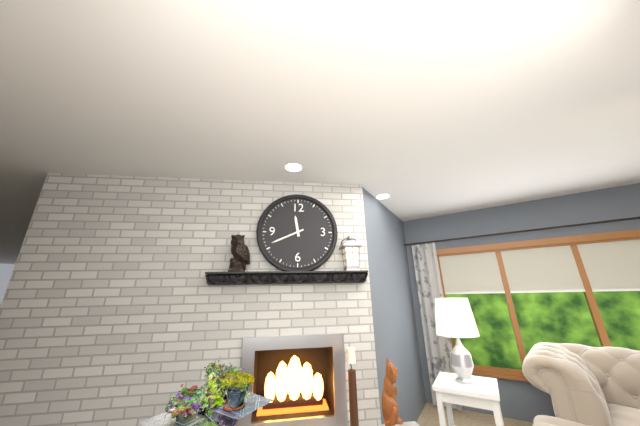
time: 11:41
